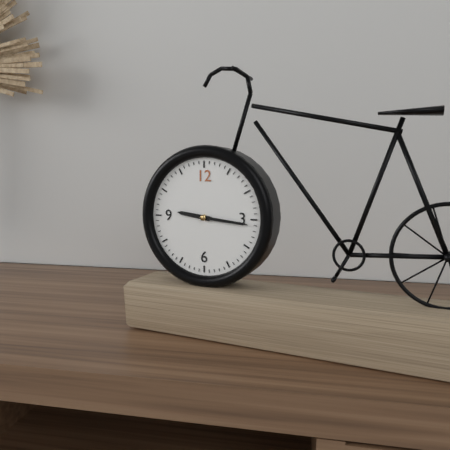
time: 9:16
